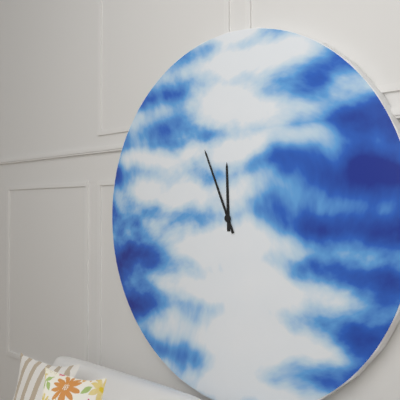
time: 11:56
